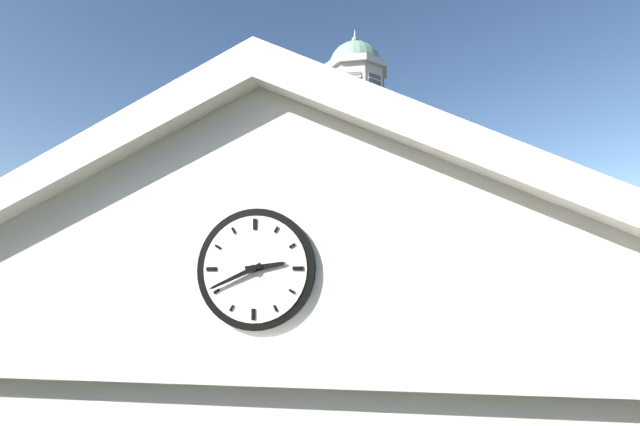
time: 2:41
